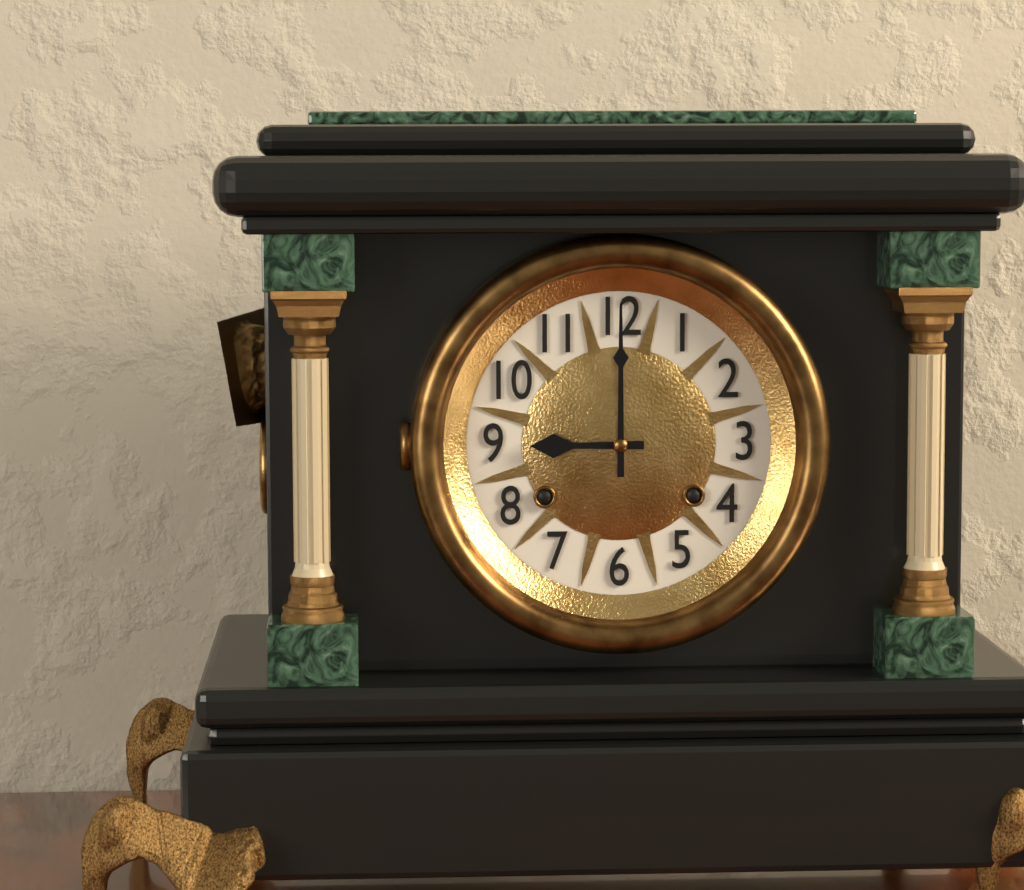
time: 9:00
